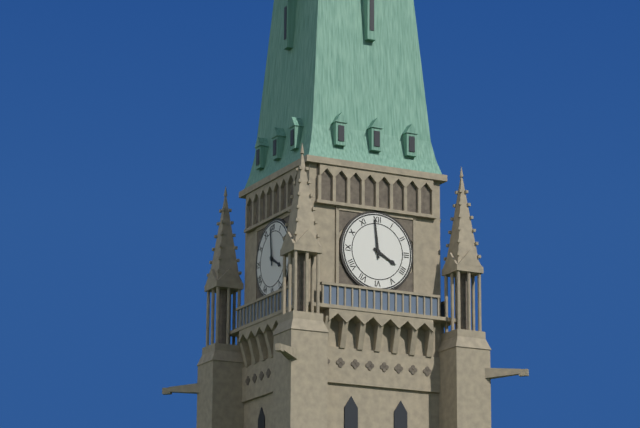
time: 3:59
